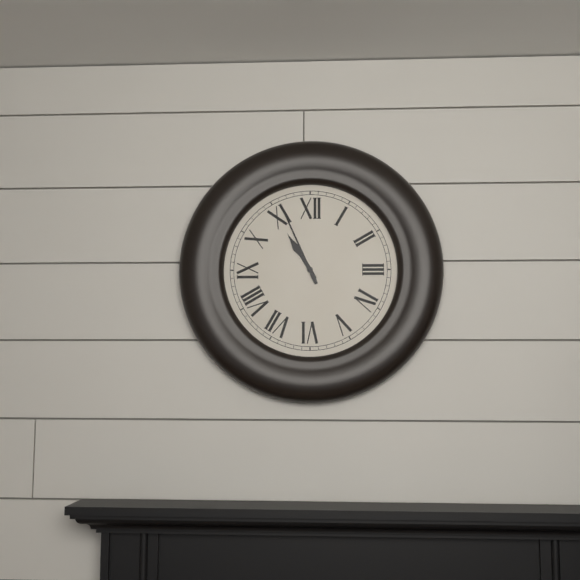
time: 10:56
